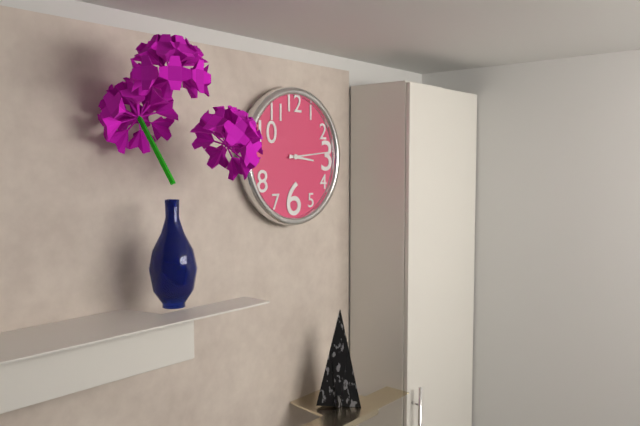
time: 3:14
